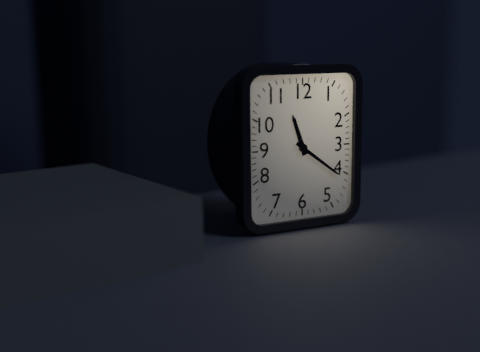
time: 11:21
